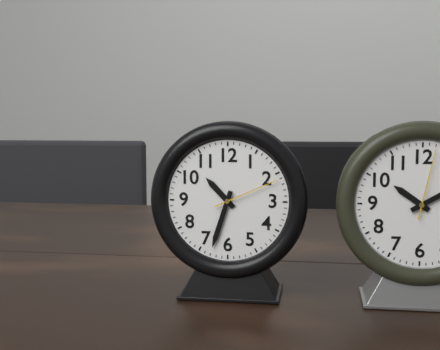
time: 10:33:11
